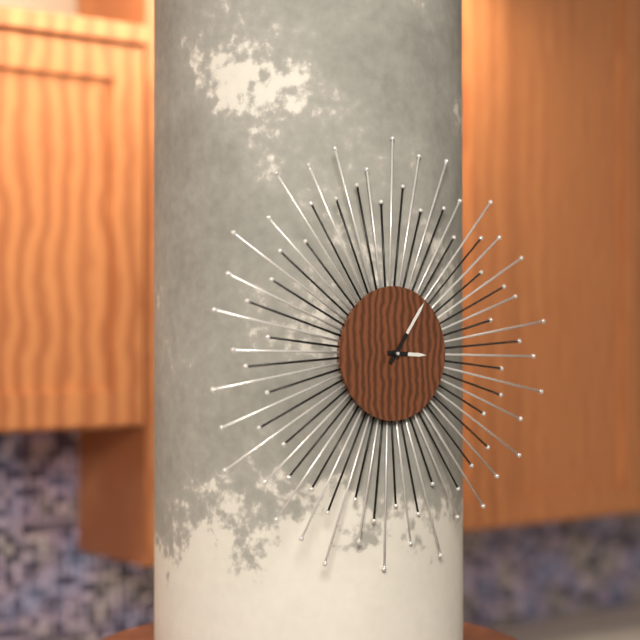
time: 3:06
